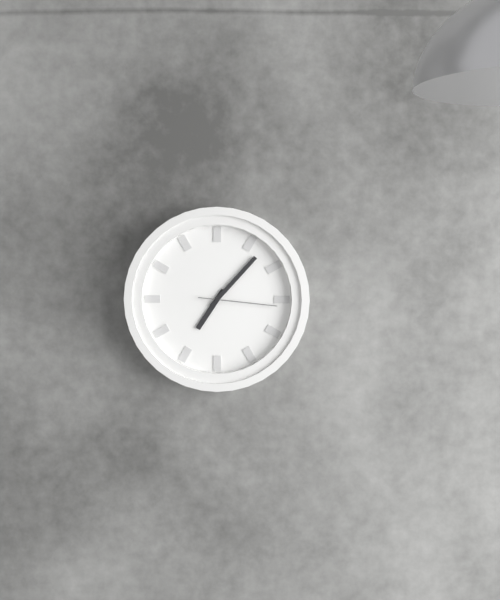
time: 7:07:16
